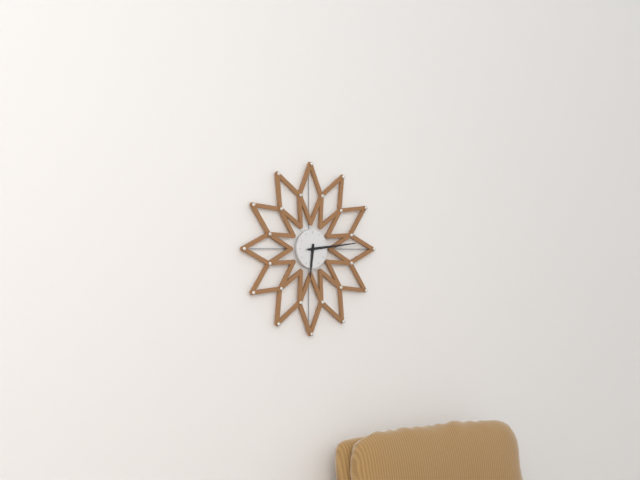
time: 6:14
